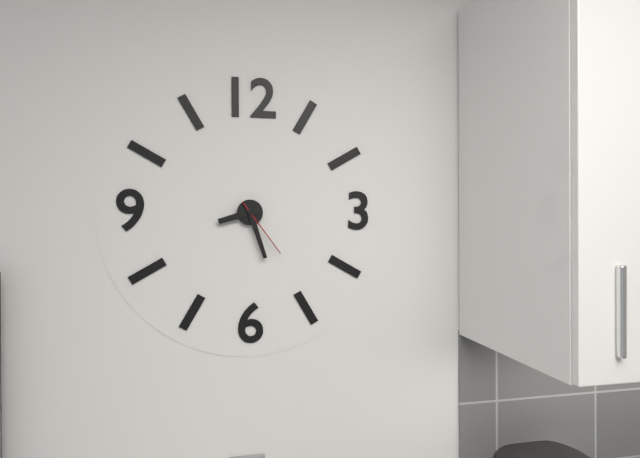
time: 8:27:24
